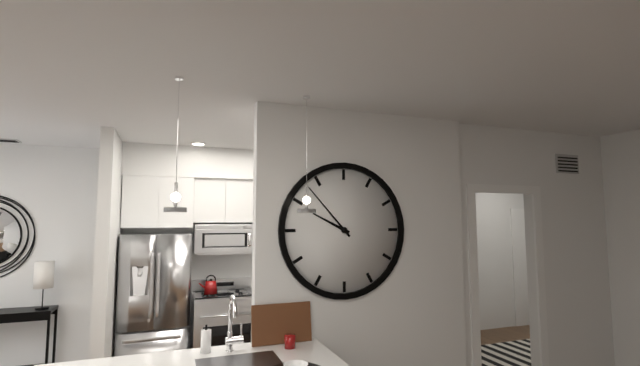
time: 9:53
